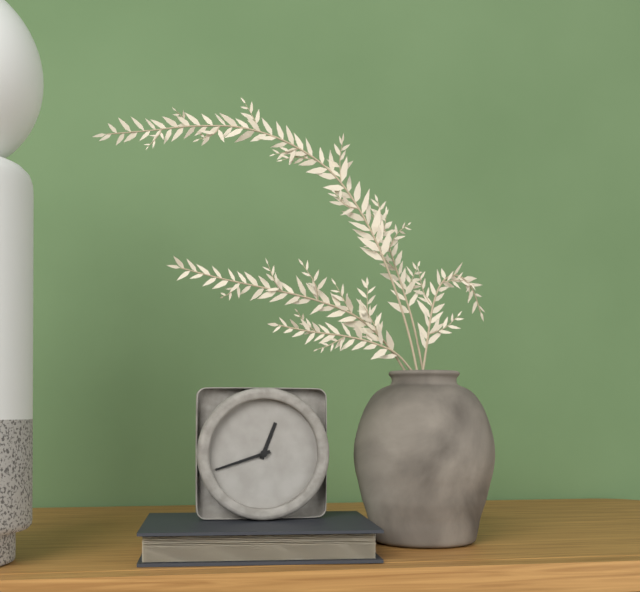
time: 12:42
